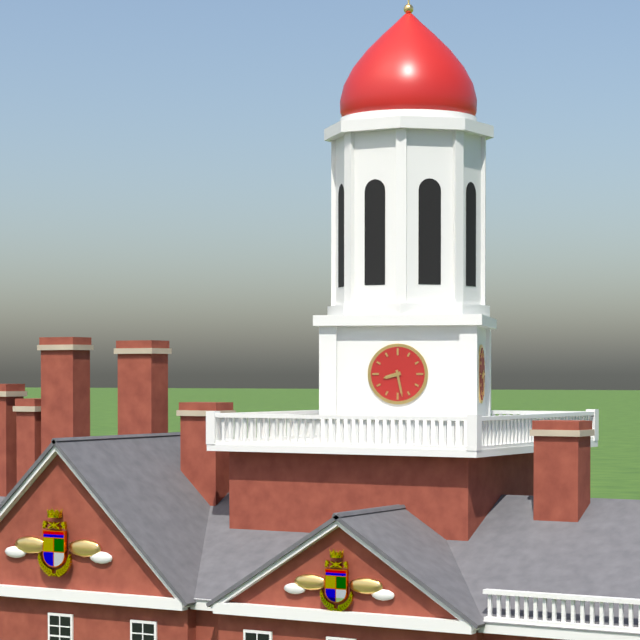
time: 8:28
